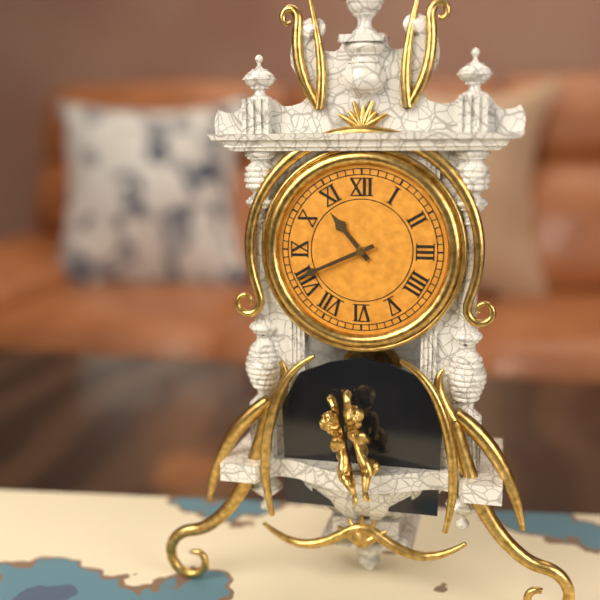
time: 10:41
